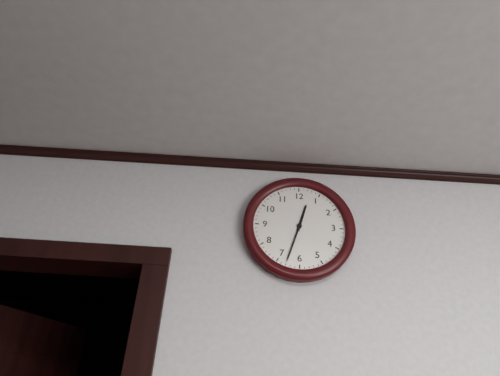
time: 12:33
